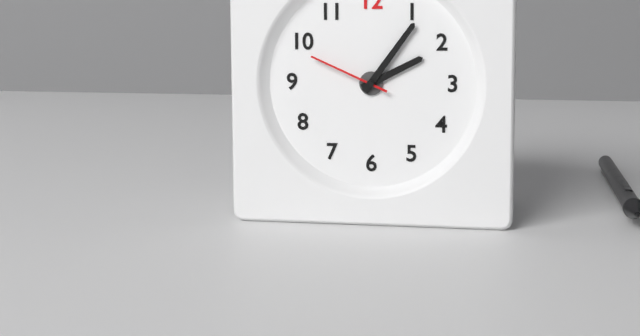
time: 2:06:49
